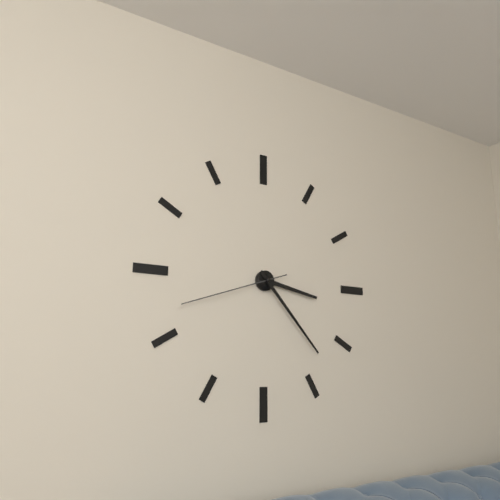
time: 3:23:42
